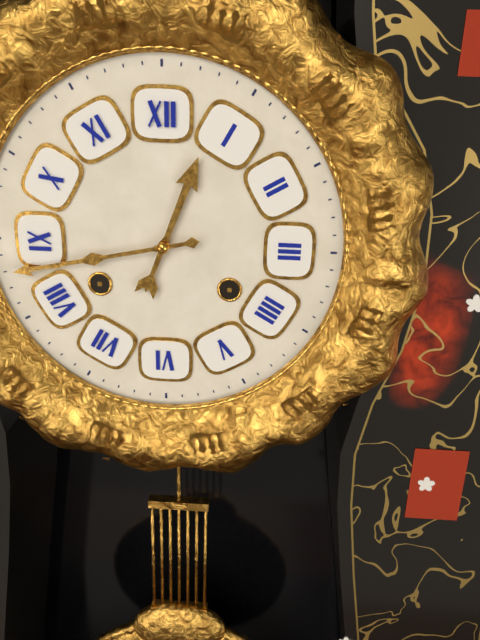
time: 12:43
